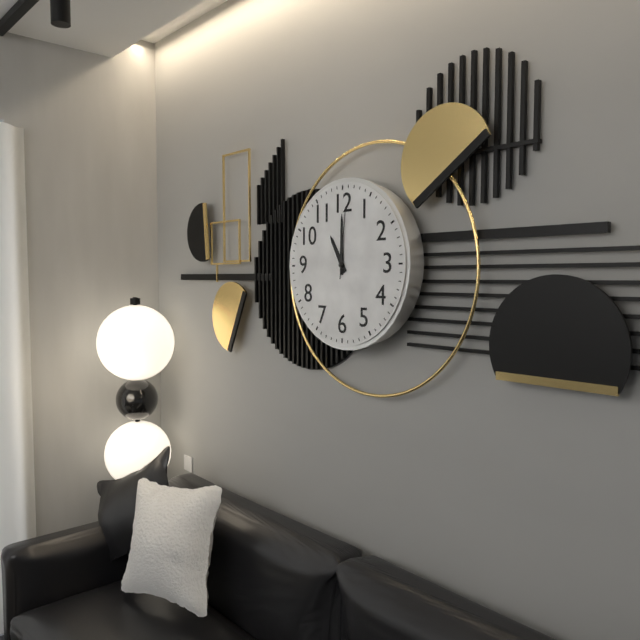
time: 11:00:01
